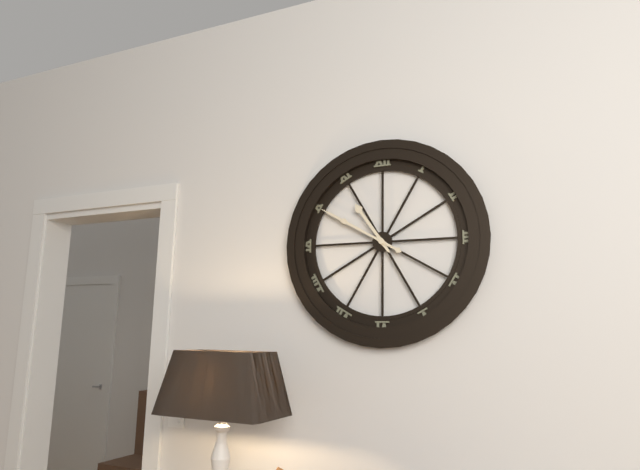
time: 10:50
